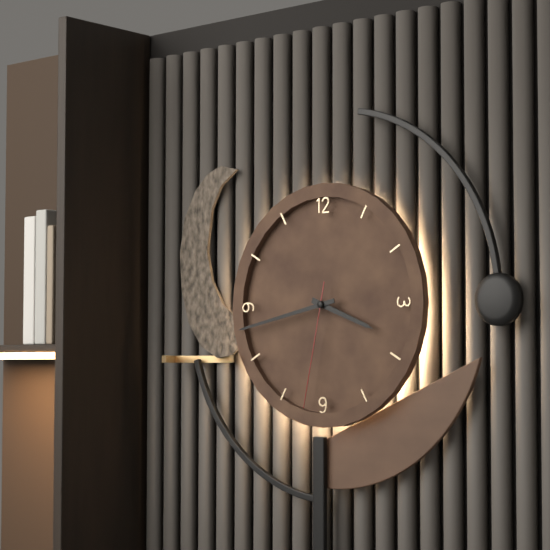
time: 3:43:32
